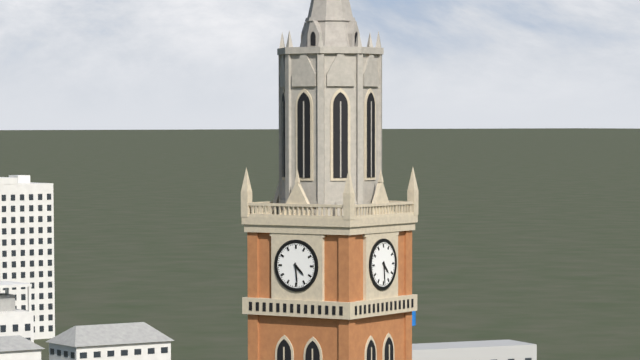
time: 4:29
